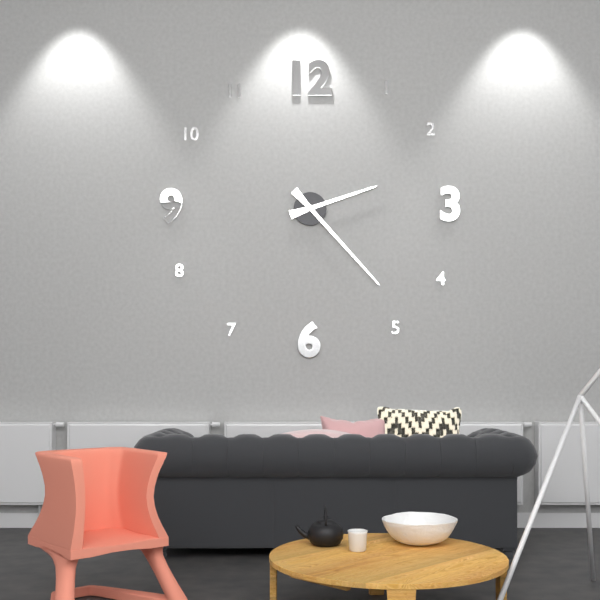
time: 2:23
